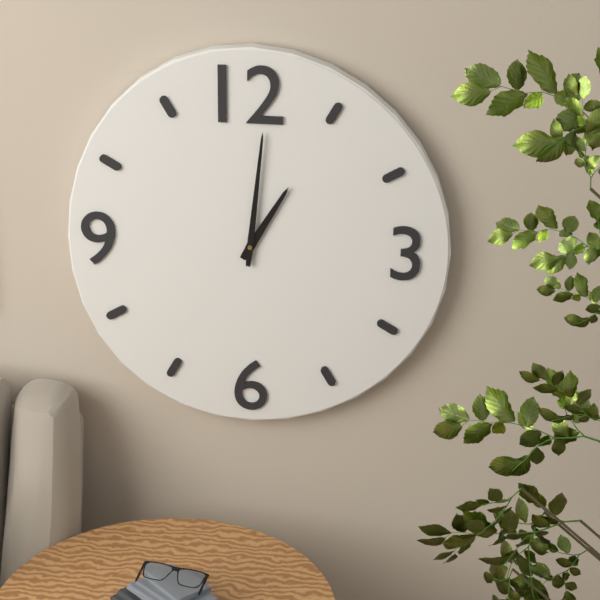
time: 1:01
